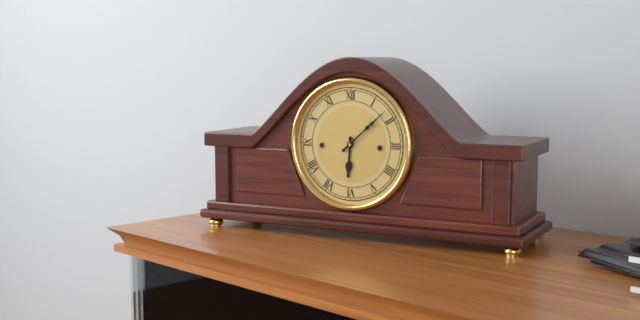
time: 6:08
